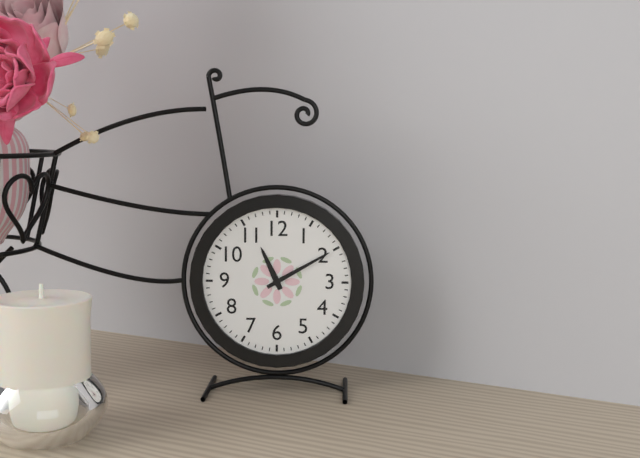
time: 11:10
